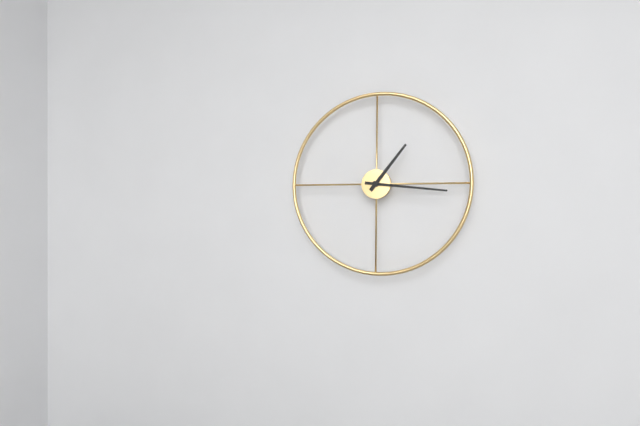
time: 1:16
